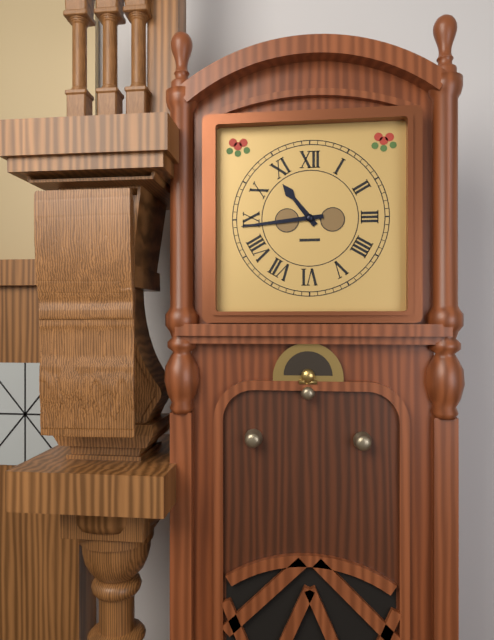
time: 10:44
